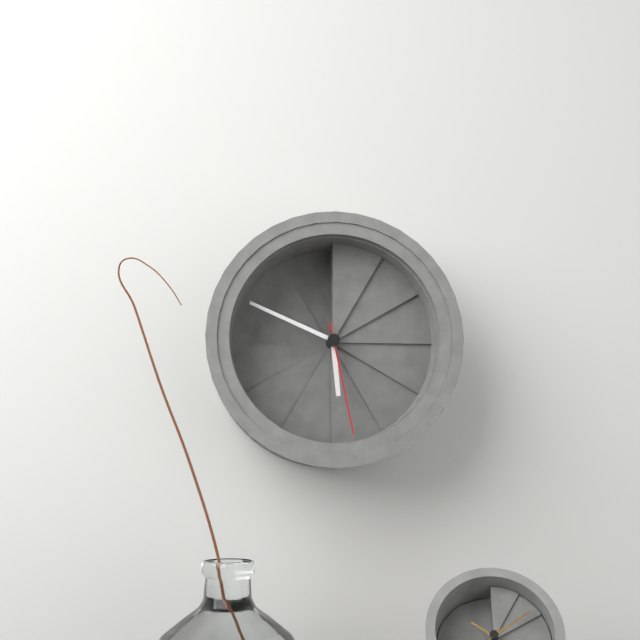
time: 5:49:28
